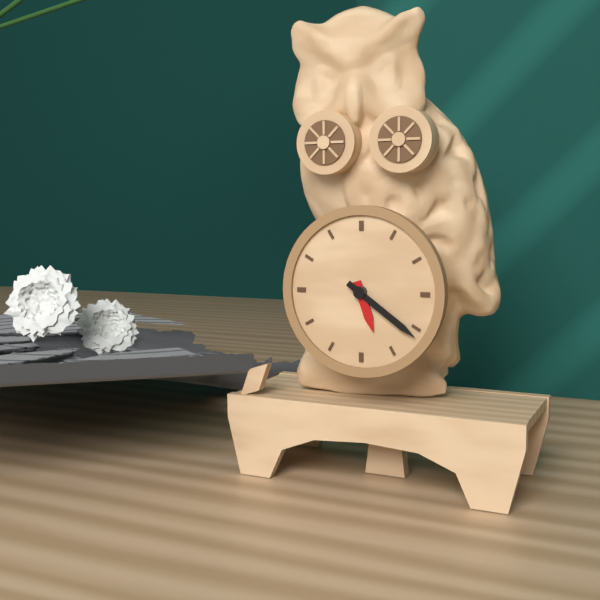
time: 5:21
